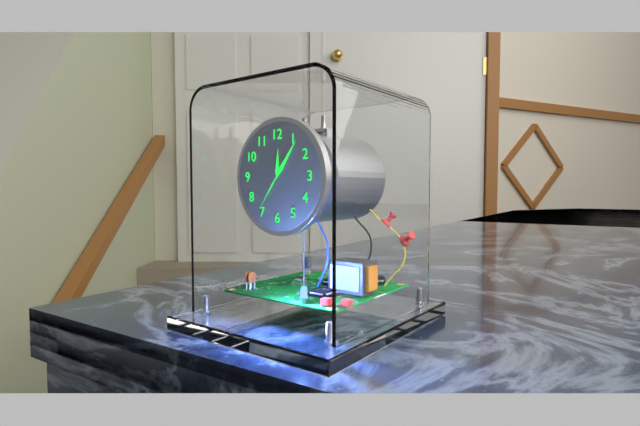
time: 12:06
